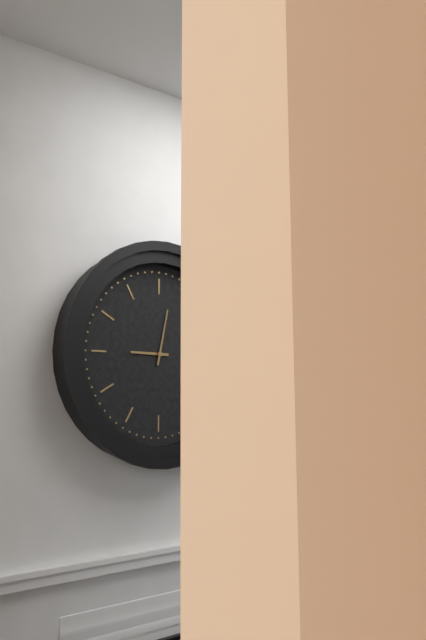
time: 9:02
